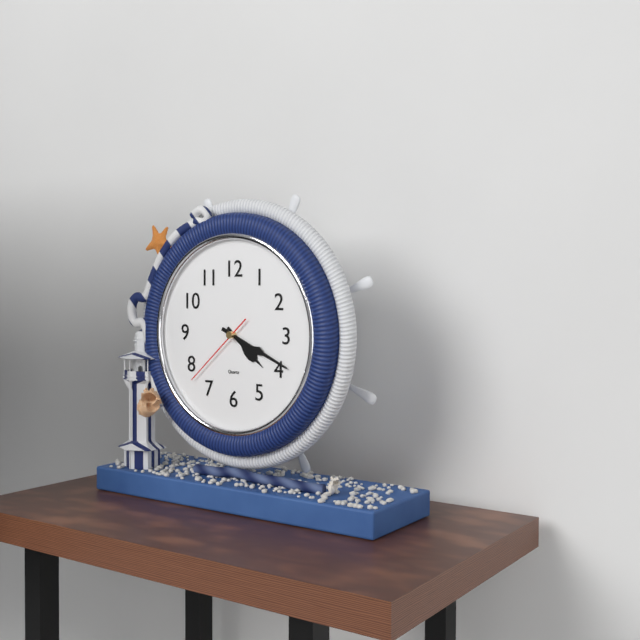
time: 4:19:38
